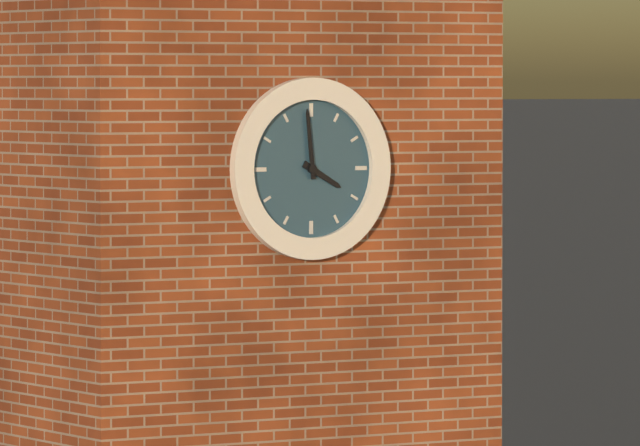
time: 3:59
